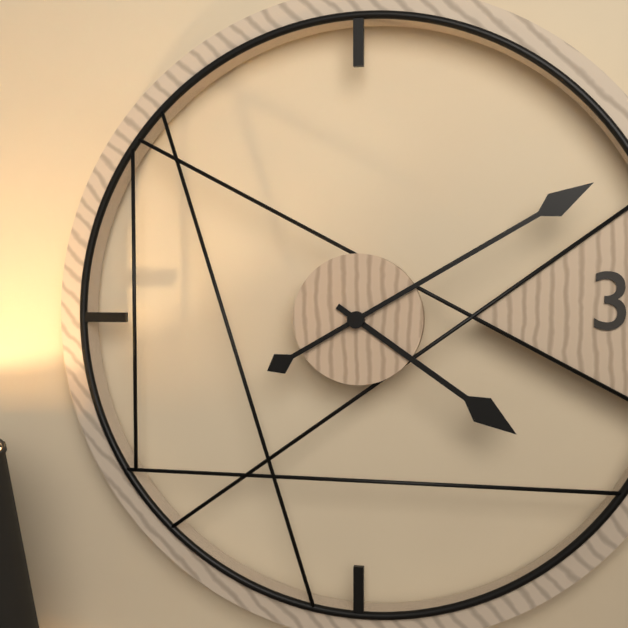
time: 4:10
